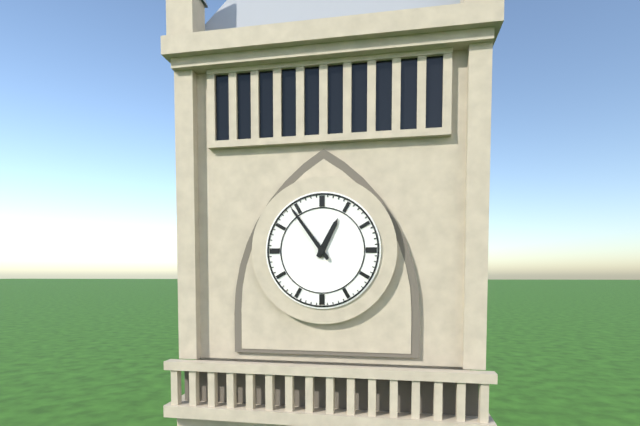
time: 12:54
